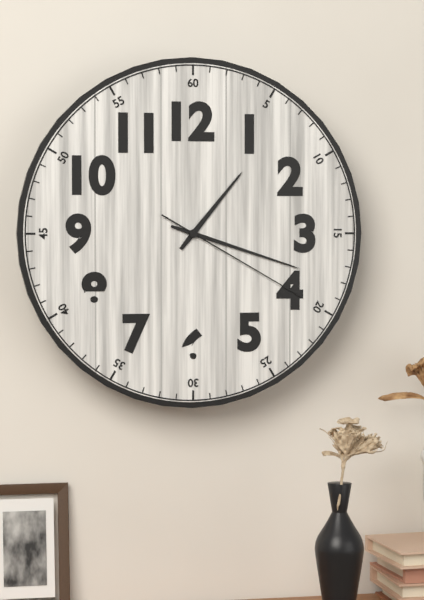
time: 1:18:20
